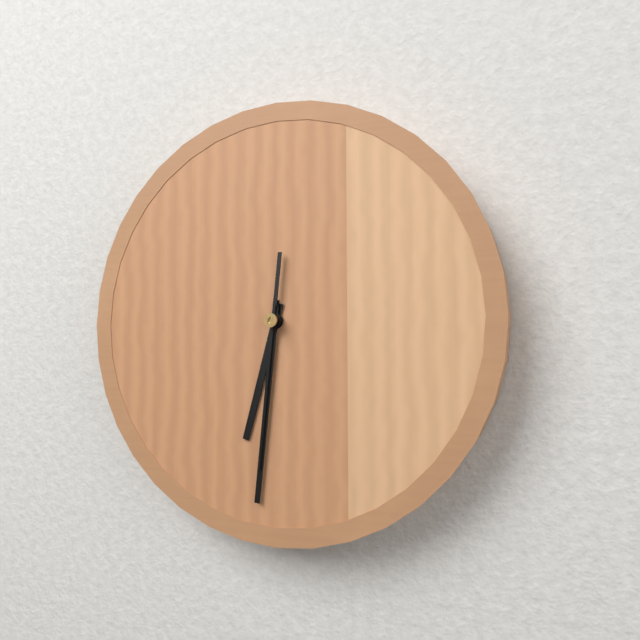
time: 6:31:31
